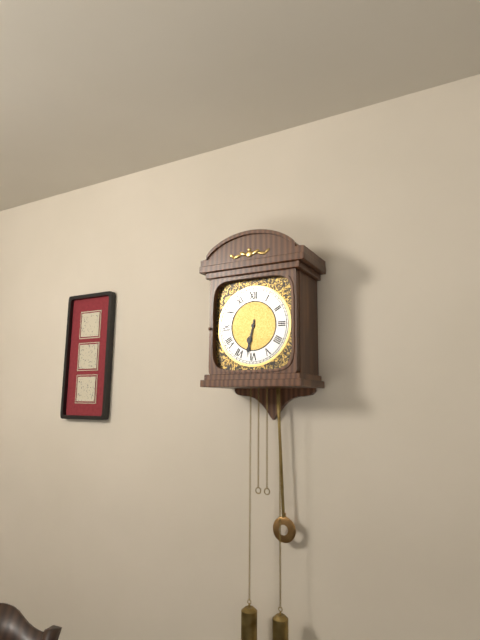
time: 6:32
